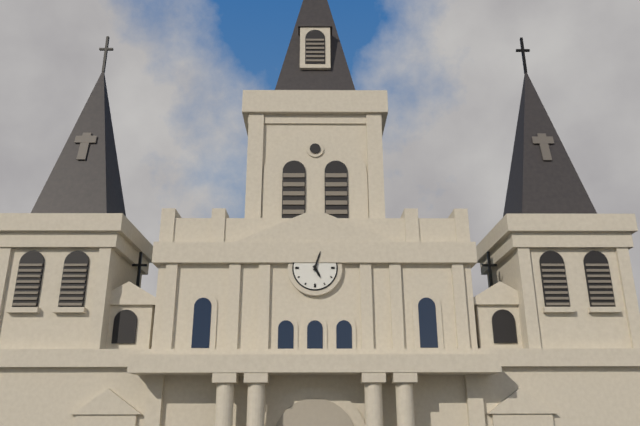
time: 5:03
